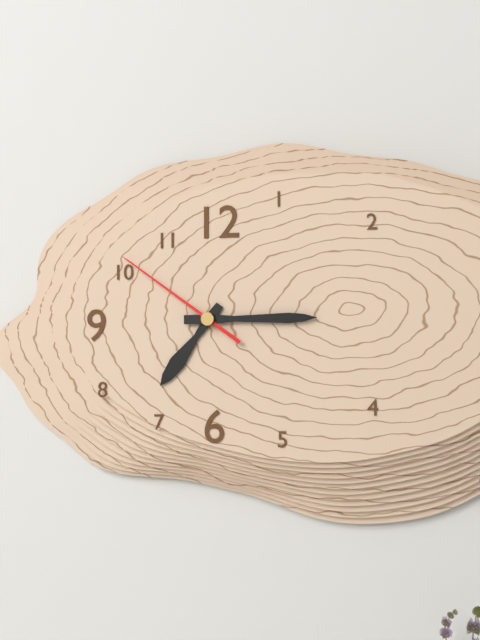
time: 7:15:51
